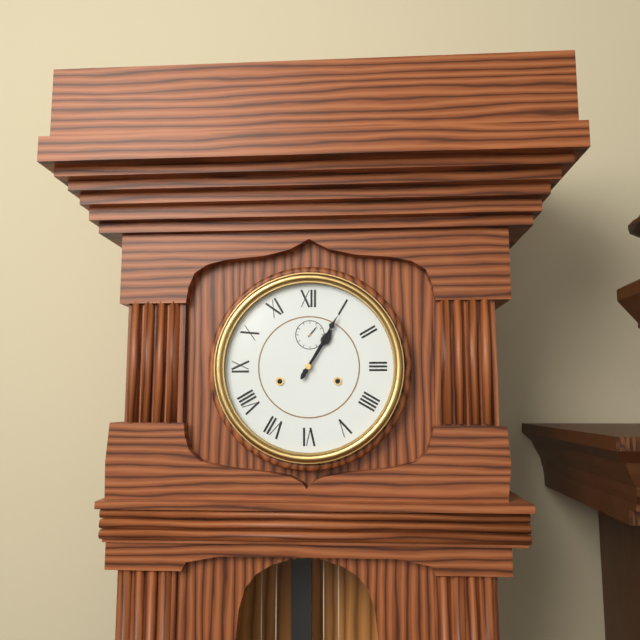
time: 1:05
